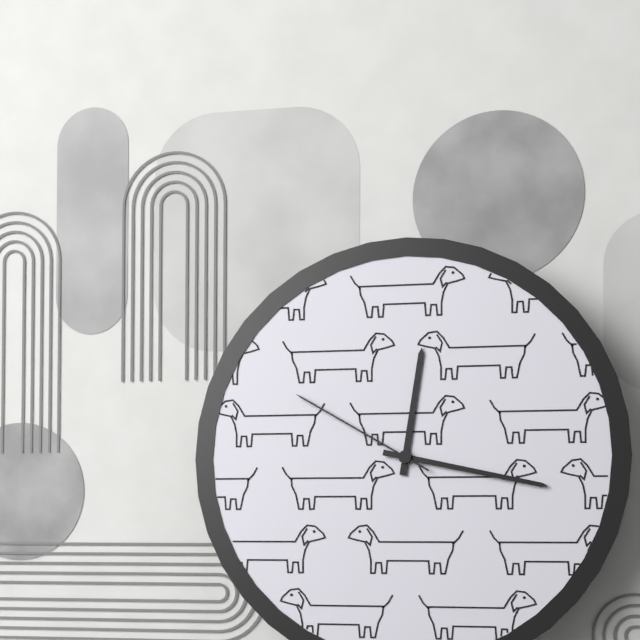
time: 12:17:50
